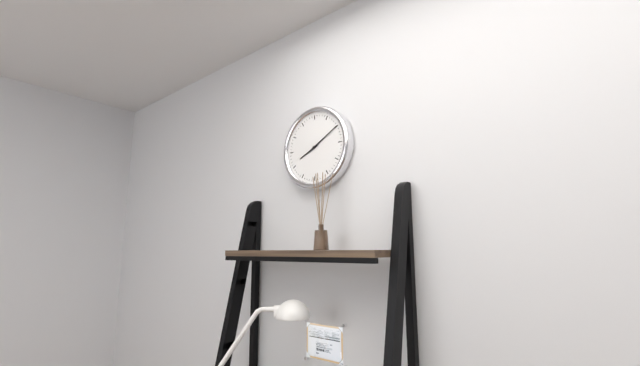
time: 8:10
